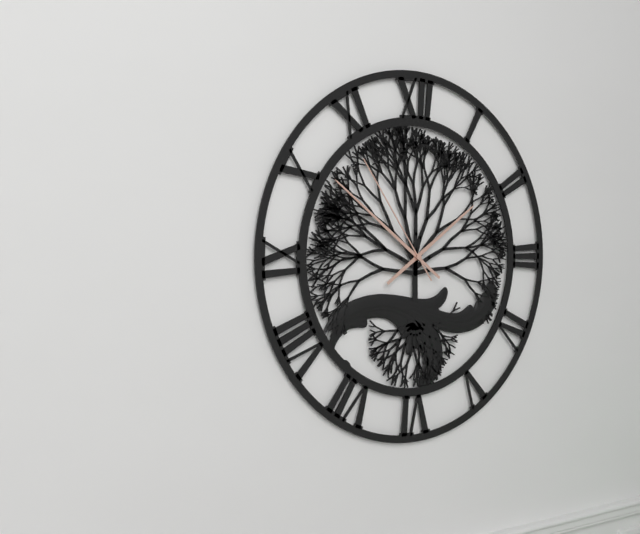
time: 1:51:54
